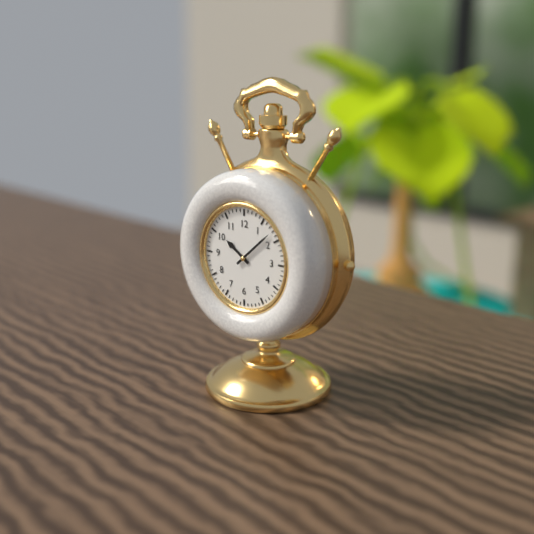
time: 10:08
